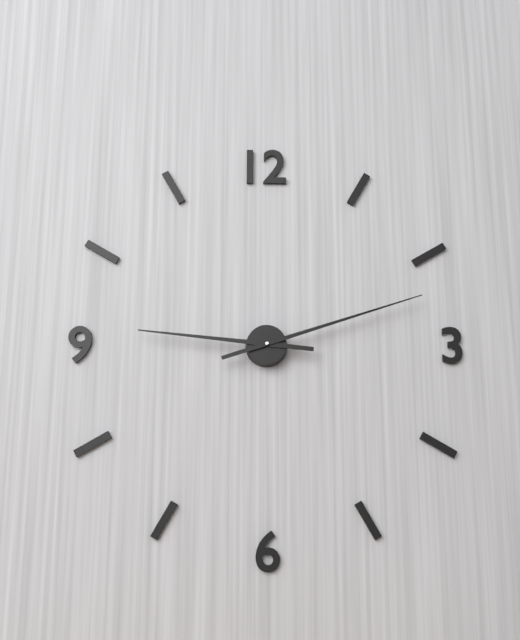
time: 9:12
